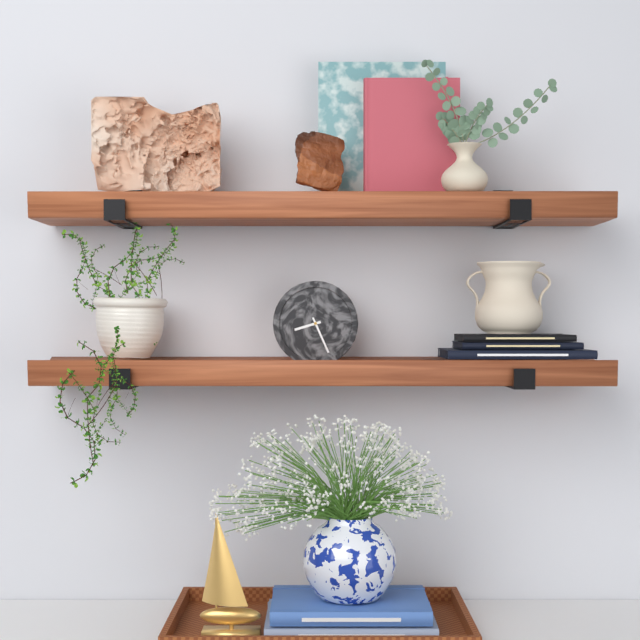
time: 8:26
